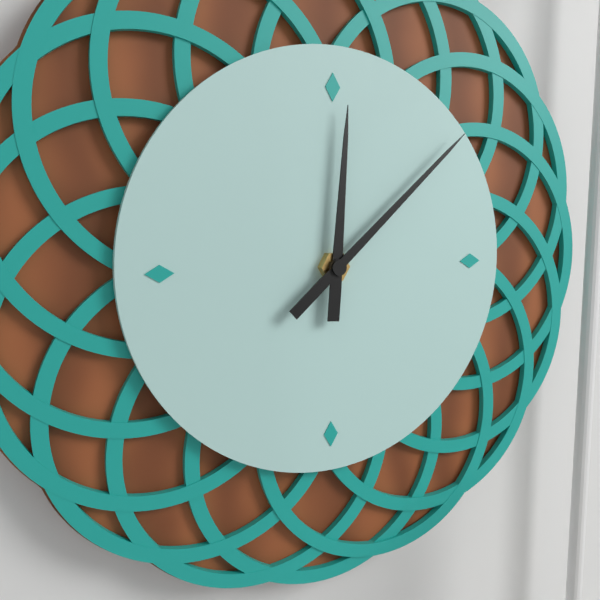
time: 12:08
